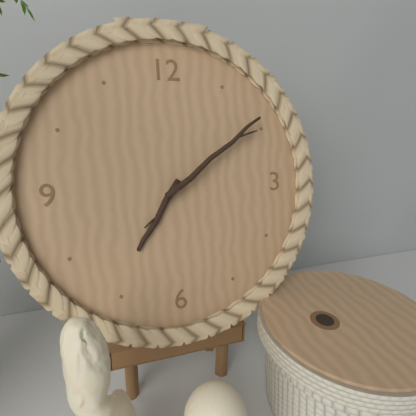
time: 7:09
